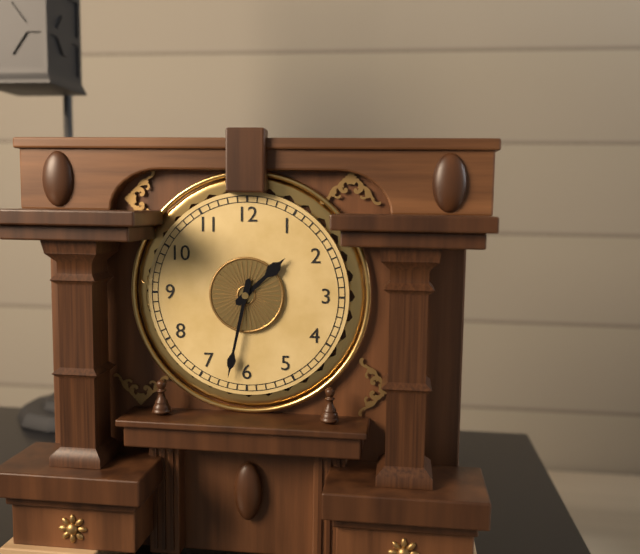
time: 1:32
